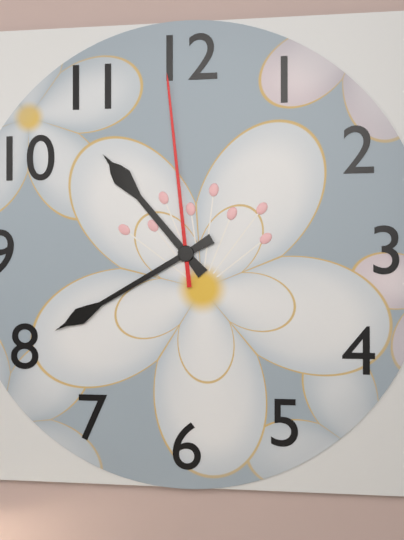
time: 10:40:59
